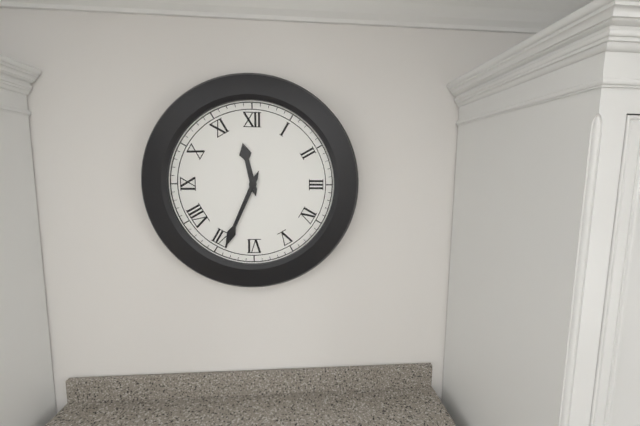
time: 11:34
